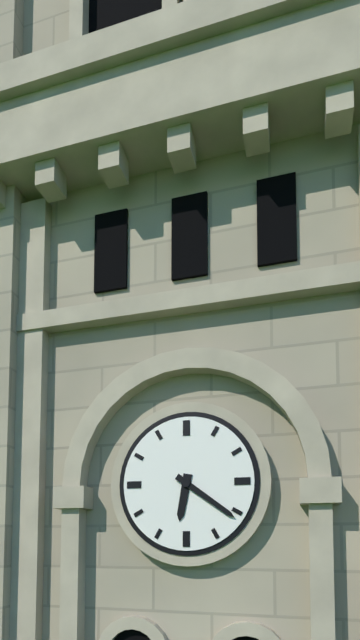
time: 6:21
